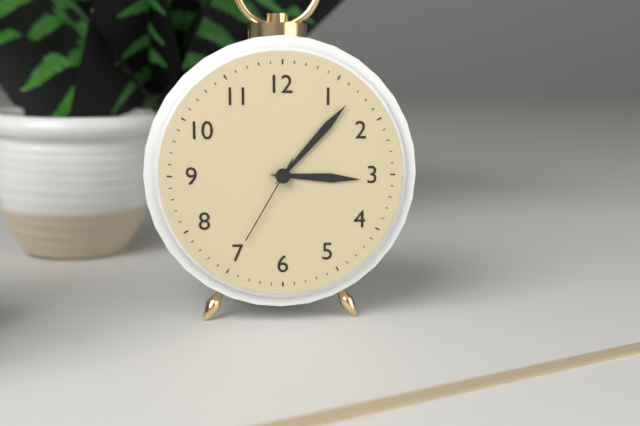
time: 3:07:35
